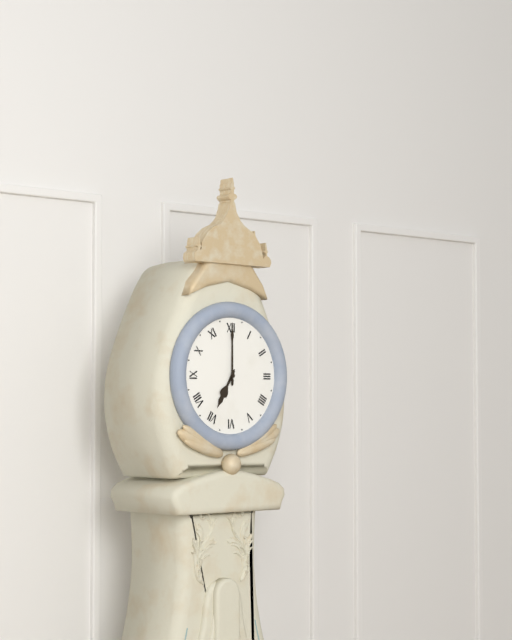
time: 7:00
